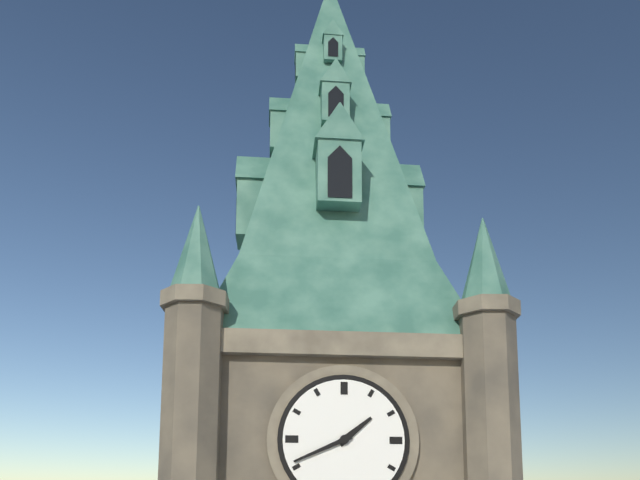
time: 1:41
